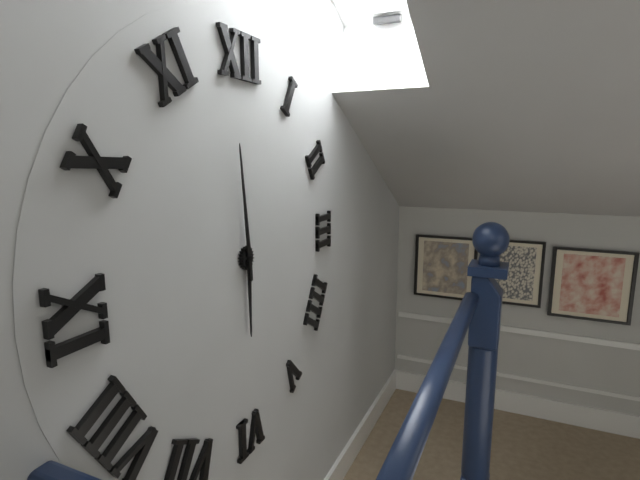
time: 5:59
